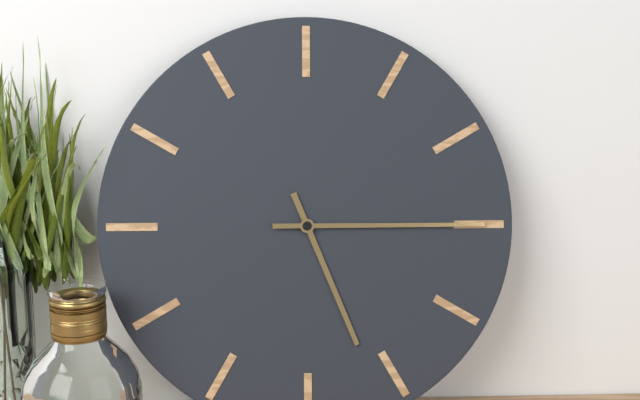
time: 5:15
